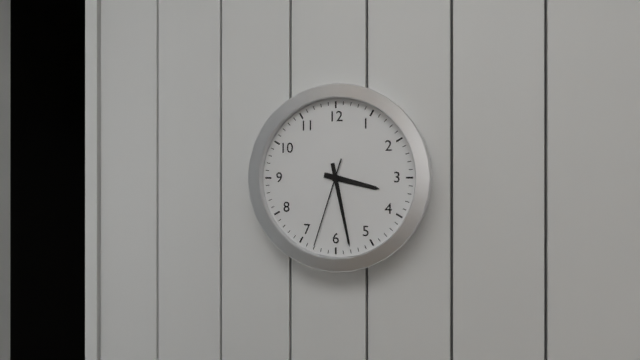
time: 3:28:33
